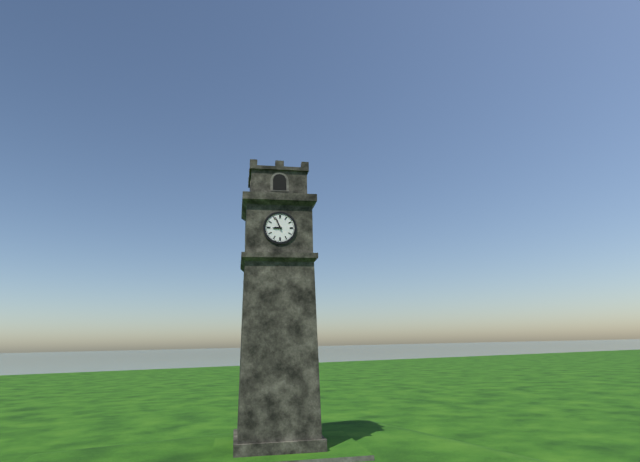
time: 8:56
